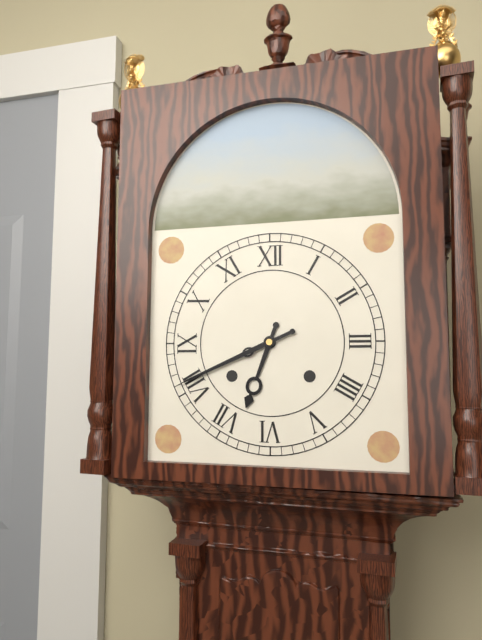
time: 6:41
